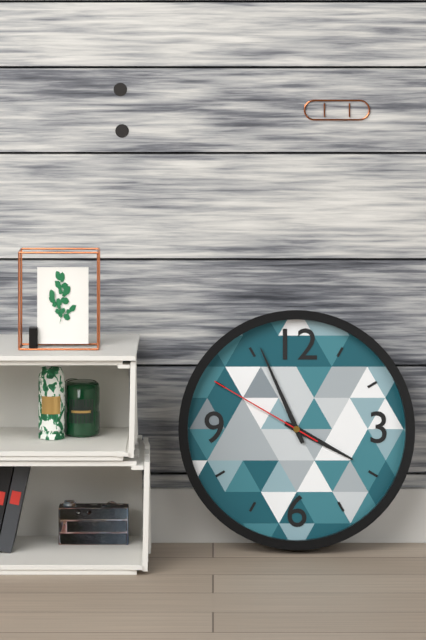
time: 3:56:50
